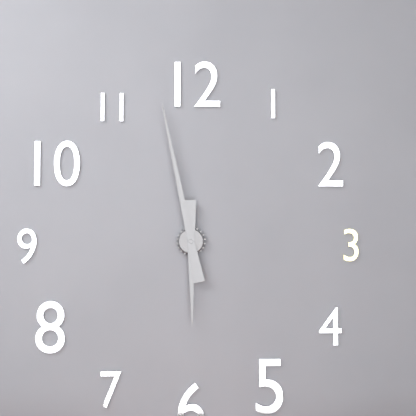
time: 5:58
